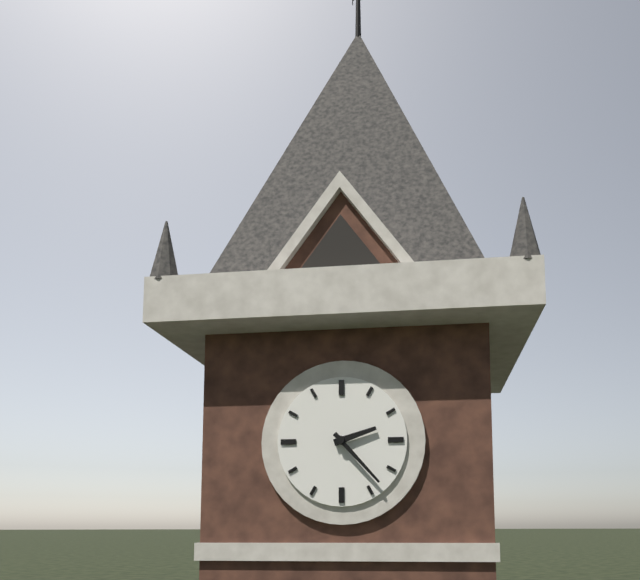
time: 2:23
